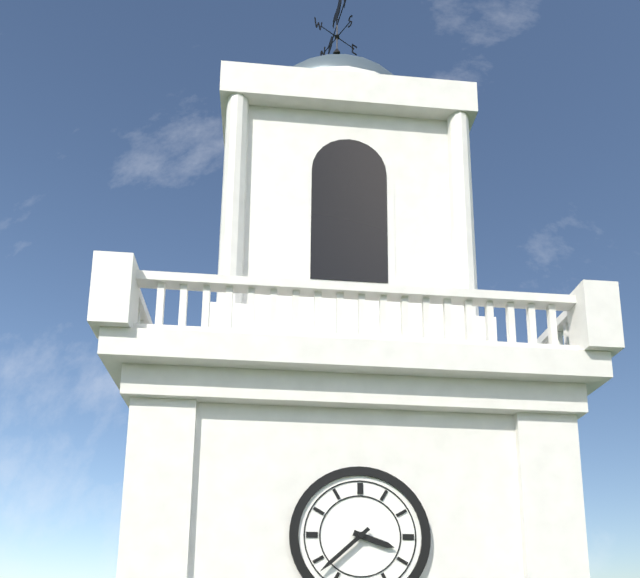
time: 3:38
